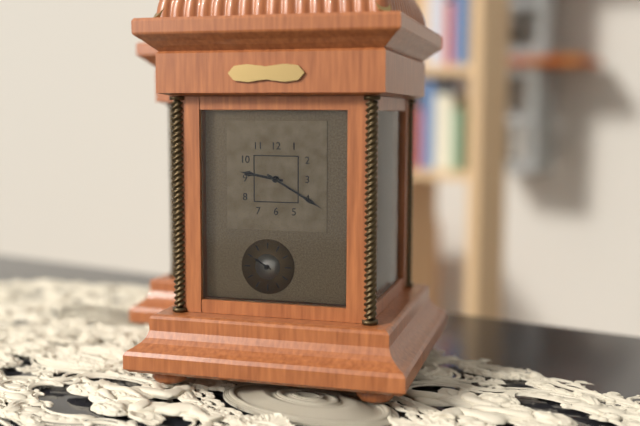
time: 9:20
